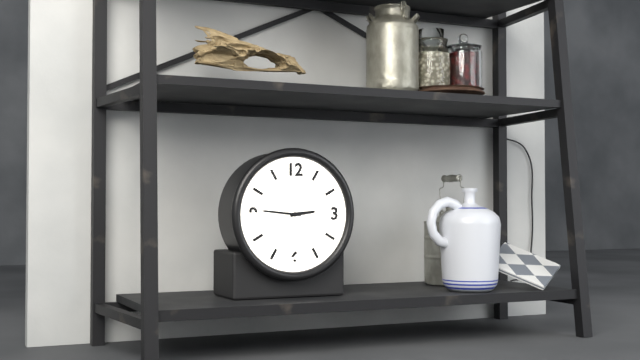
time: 2:46
